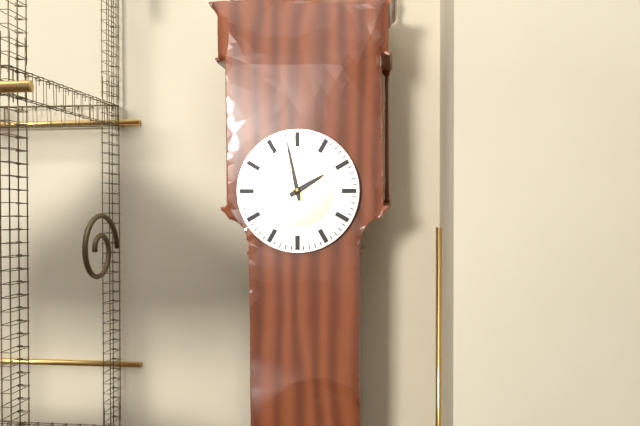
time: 1:58
